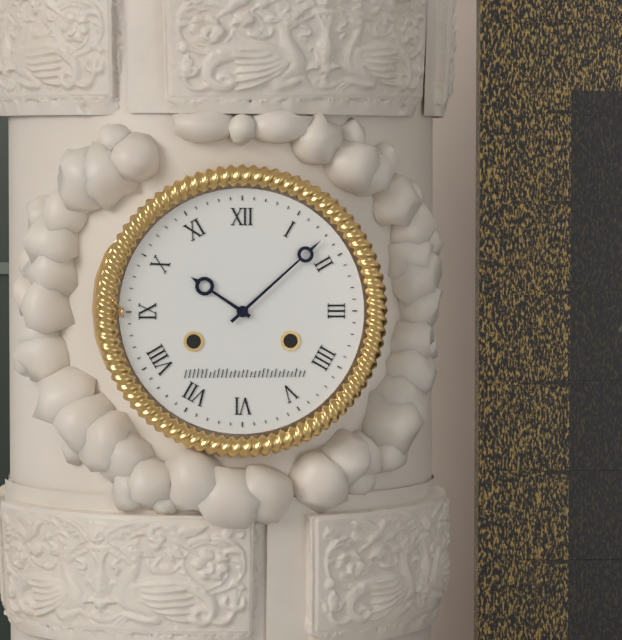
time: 10:08
